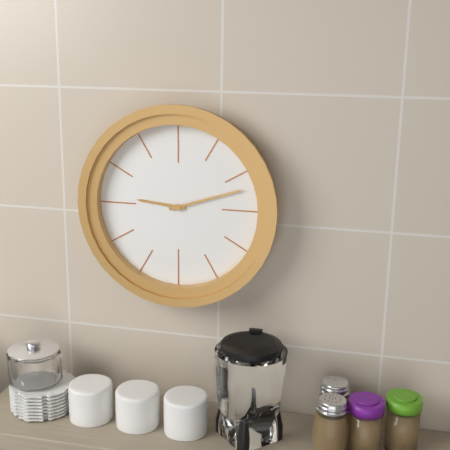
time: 9:12
